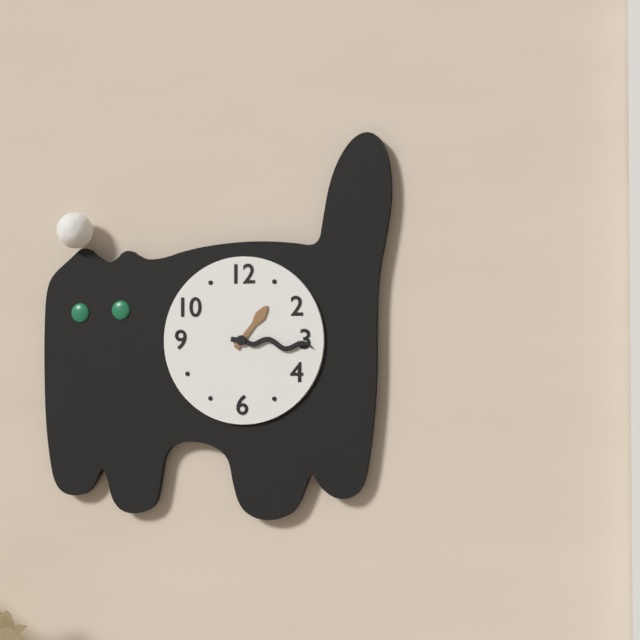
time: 1:16
